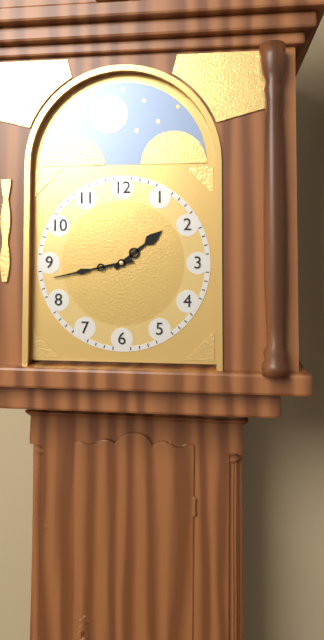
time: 1:43
